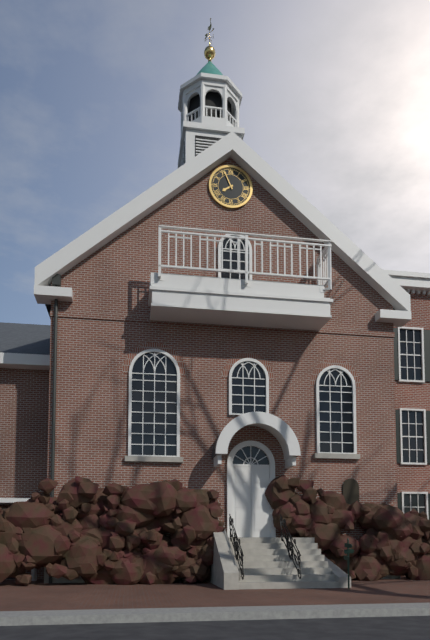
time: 7:56
